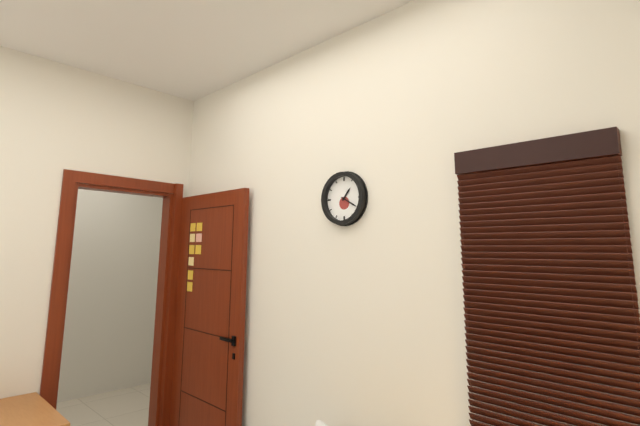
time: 1:20
